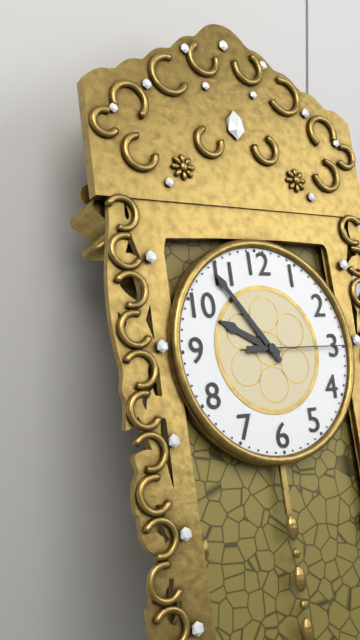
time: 9:54:15
